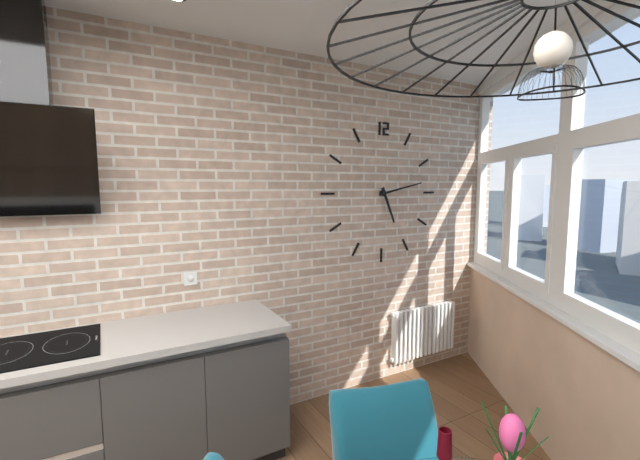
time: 5:13
